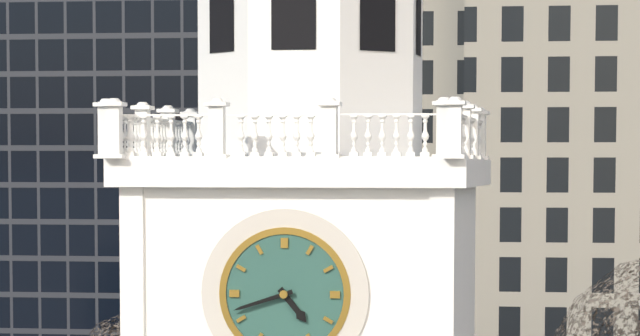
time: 4:42
